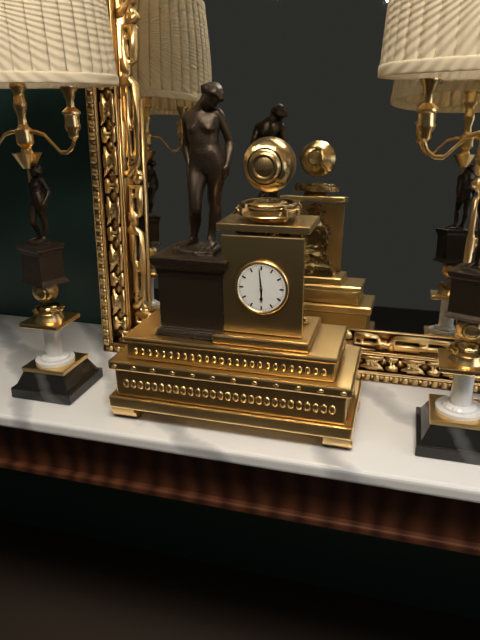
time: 5:59
